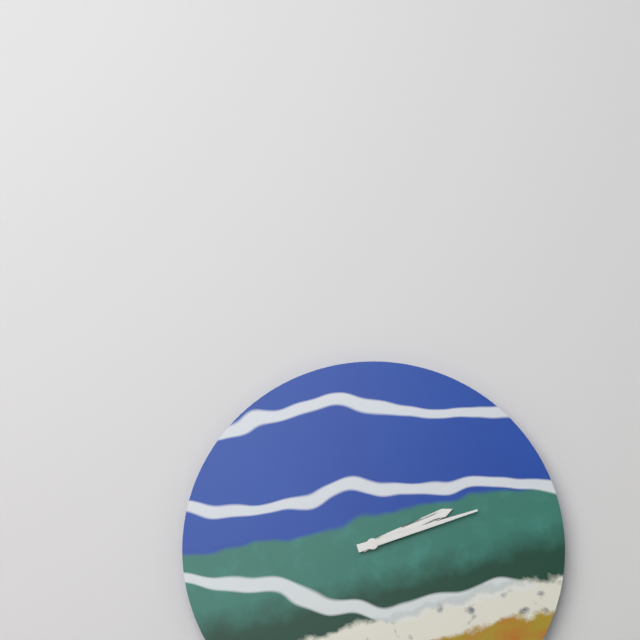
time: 2:12
